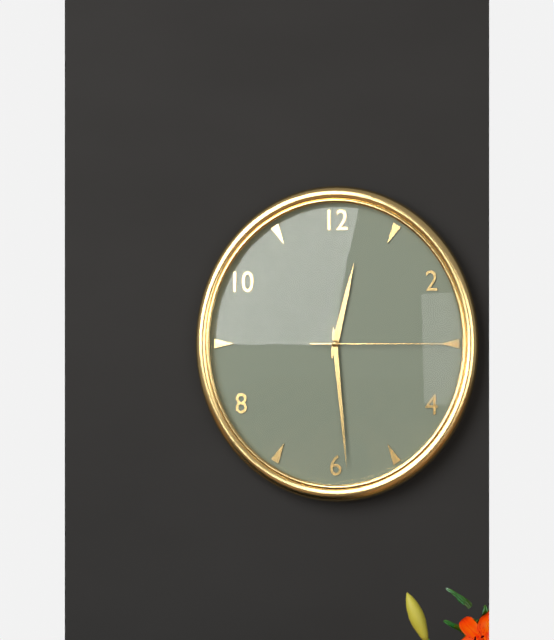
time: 12:29:15
